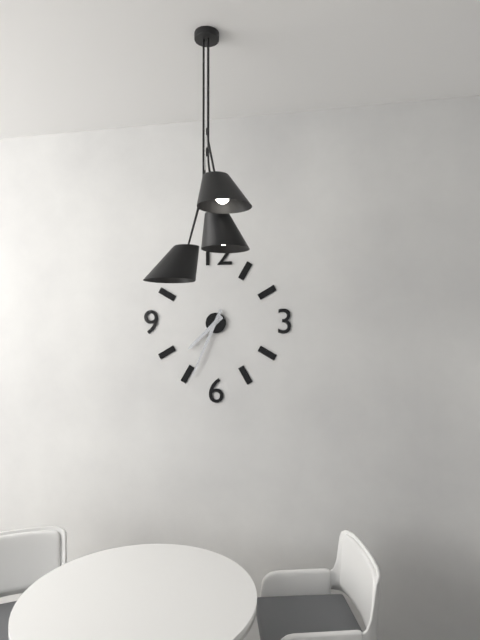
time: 7:34
